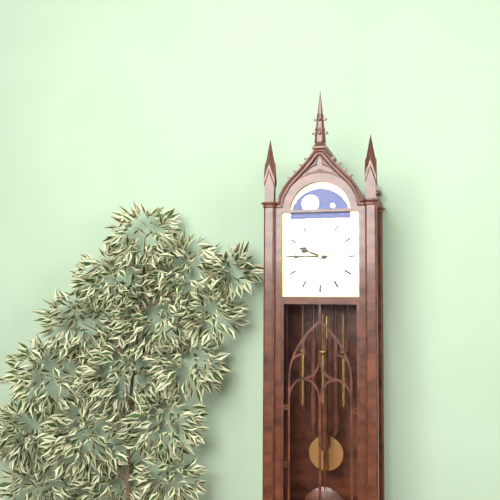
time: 9:45
